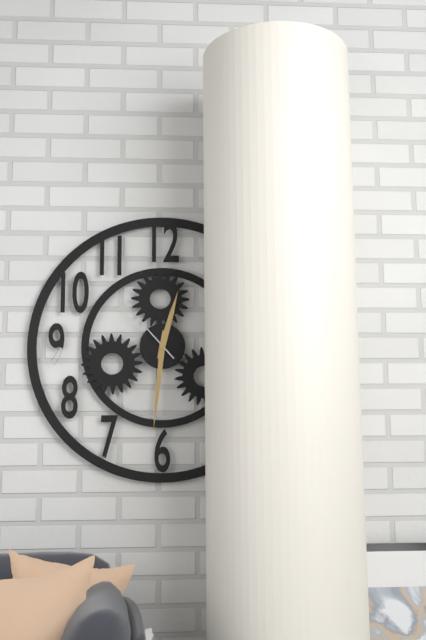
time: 12:31:53
